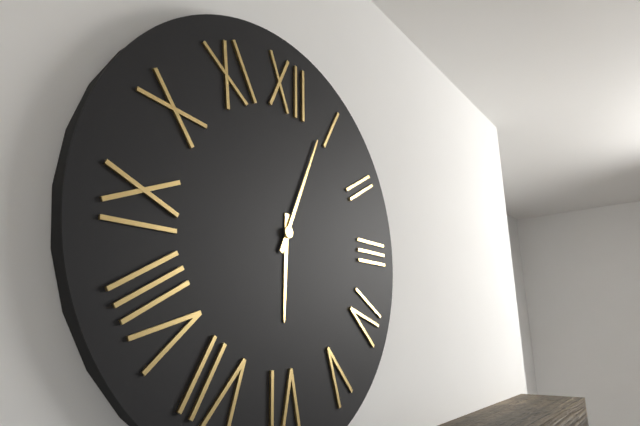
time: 6:04
